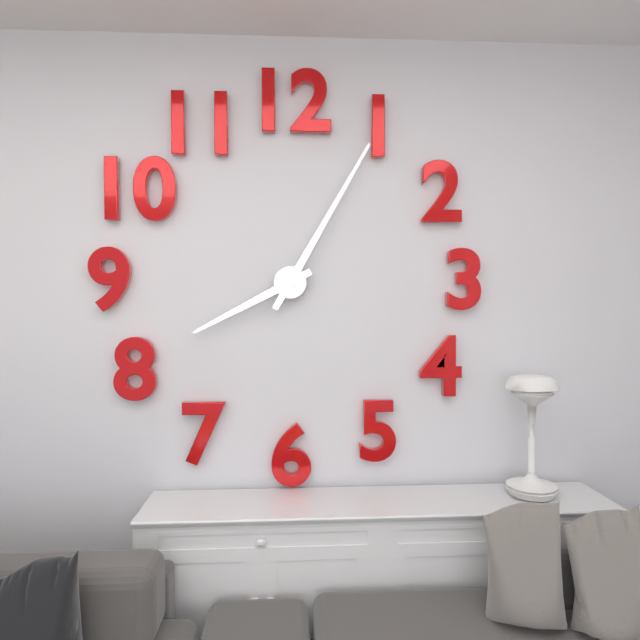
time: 8:05
